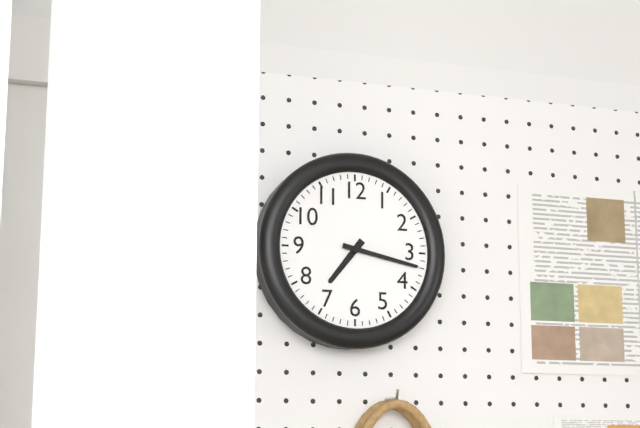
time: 7:17
